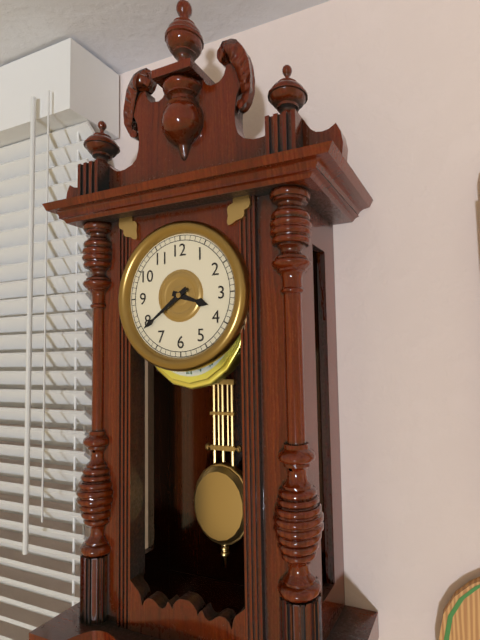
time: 3:39
